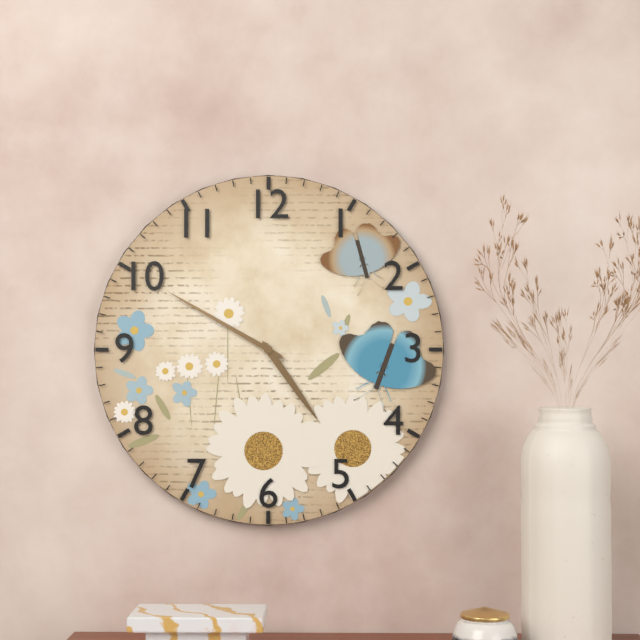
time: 4:50
